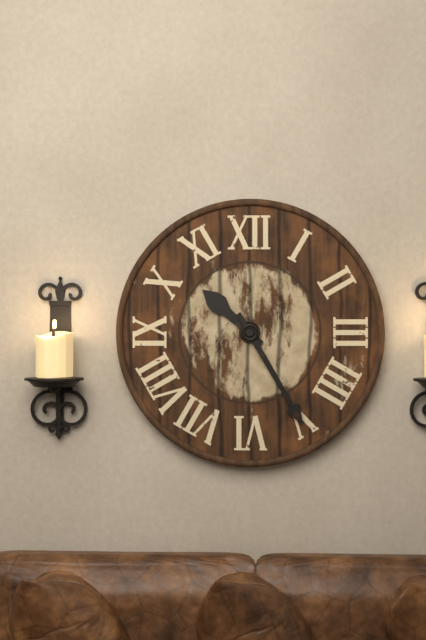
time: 10:25
